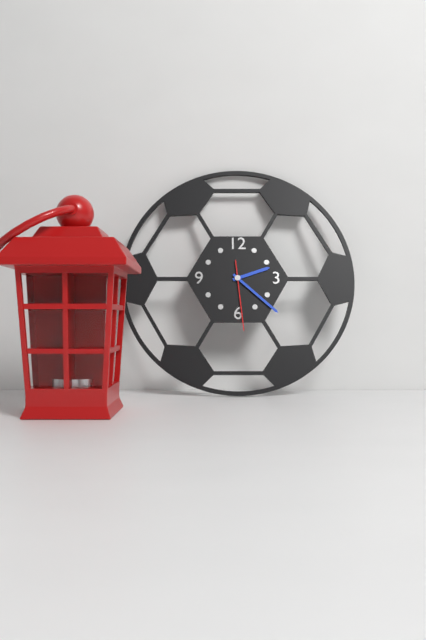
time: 2:22:29
